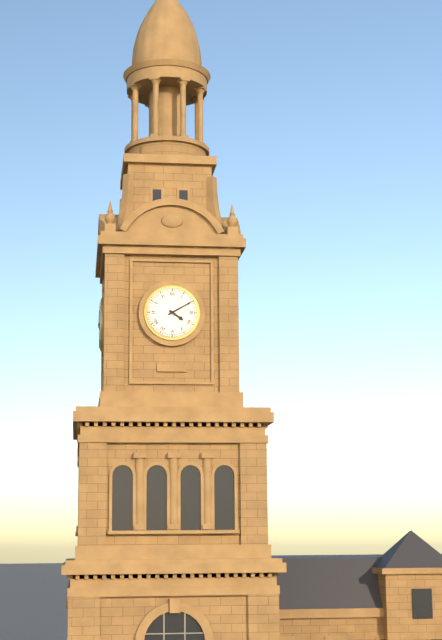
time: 4:10
